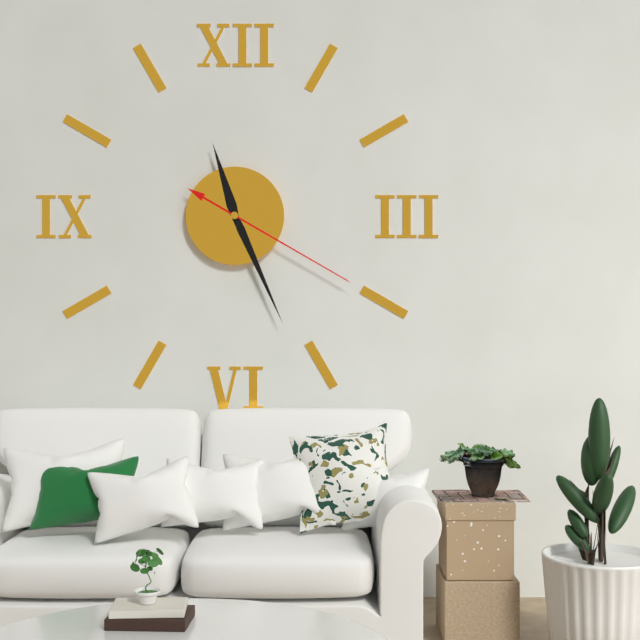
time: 11:26:20
